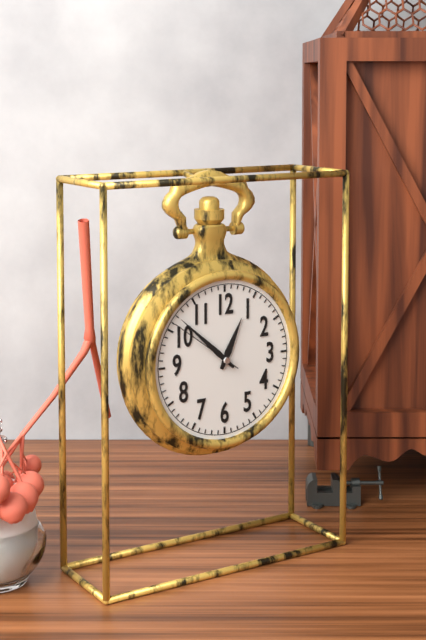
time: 12:52:51
